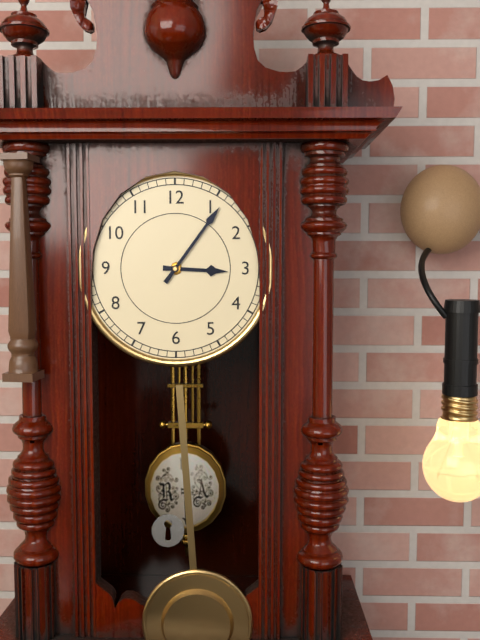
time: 3:06
